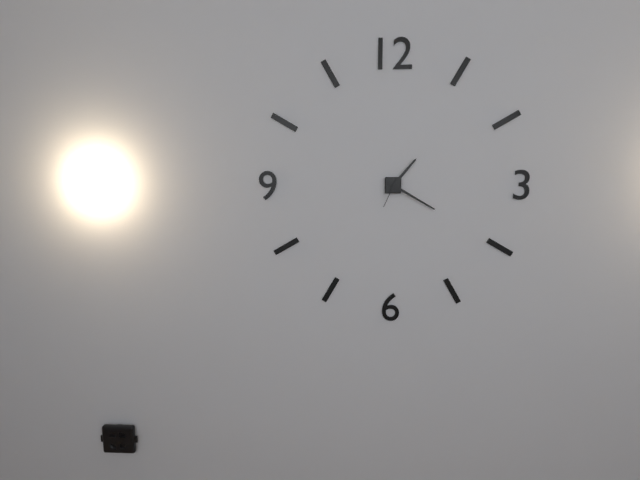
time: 1:20
